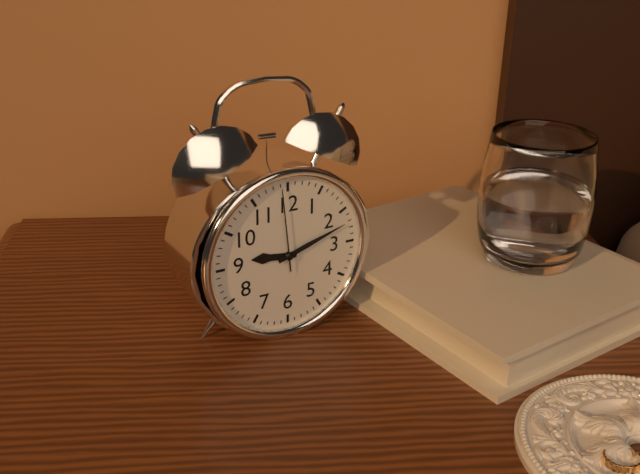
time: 9:12:59
